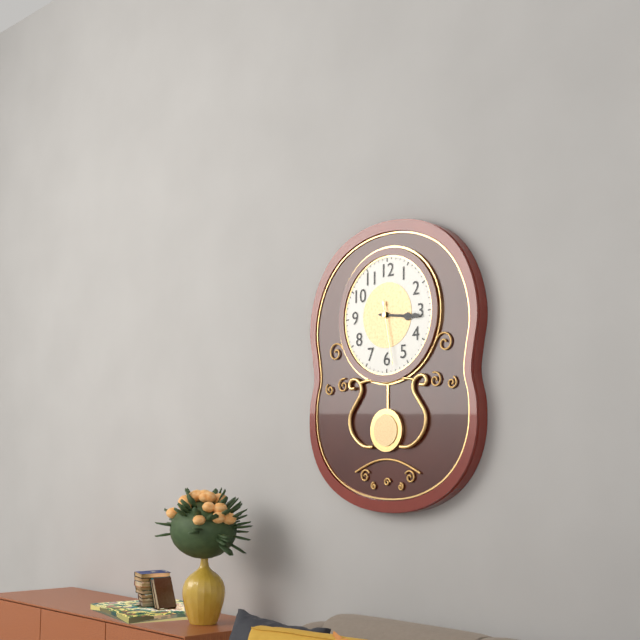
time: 3:16:28
